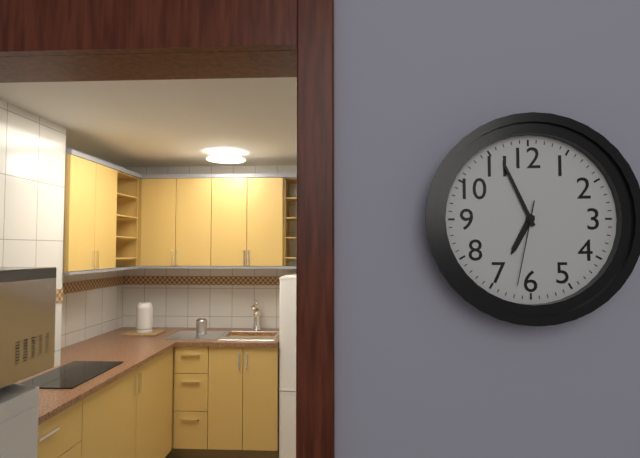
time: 6:56:32
